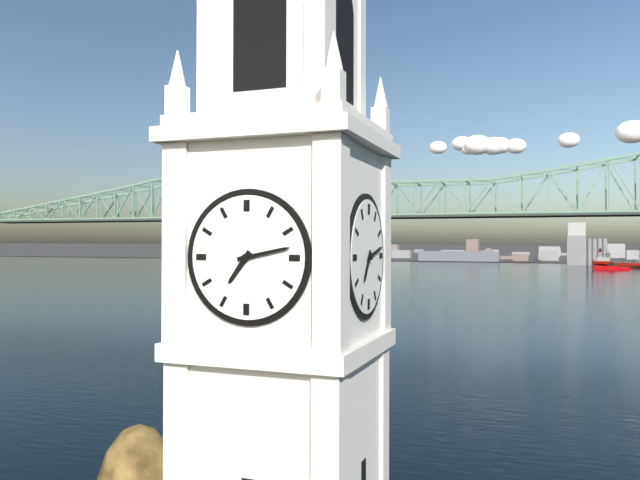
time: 7:13
